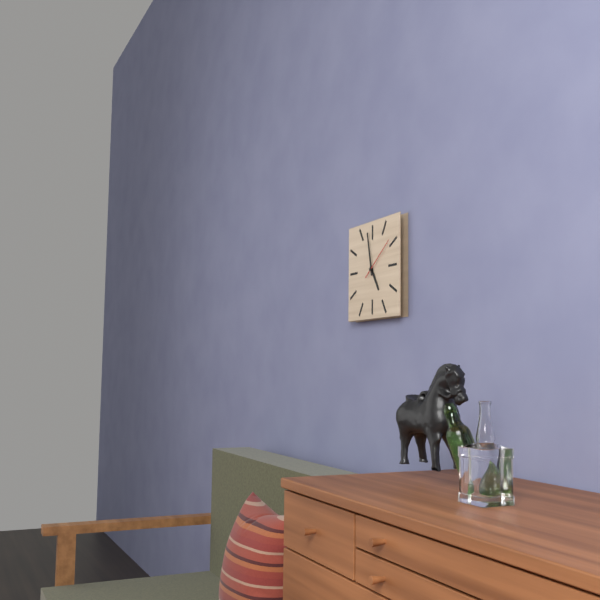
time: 4:58
